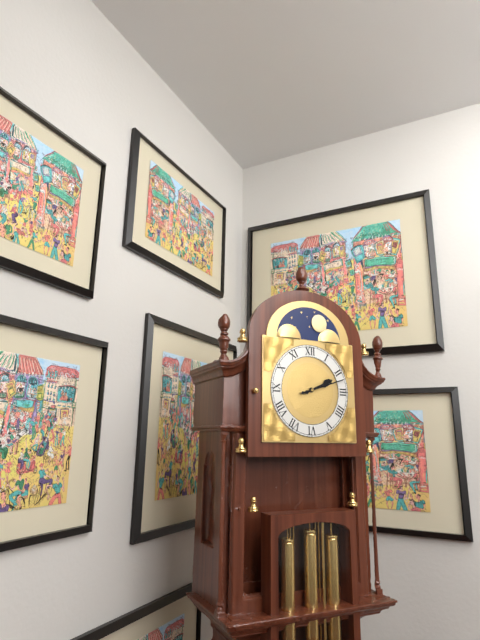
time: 2:12
